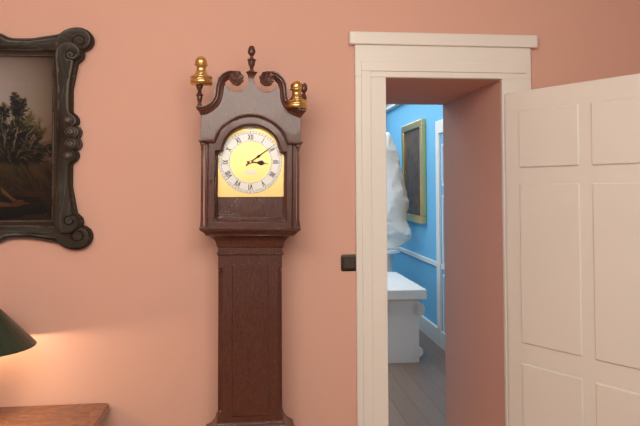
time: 3:09
